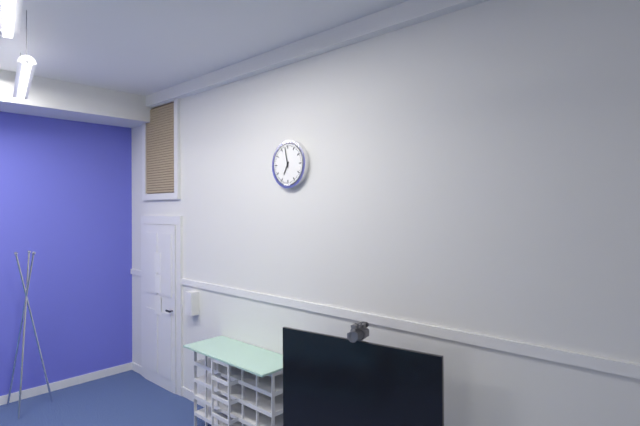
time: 6:58
